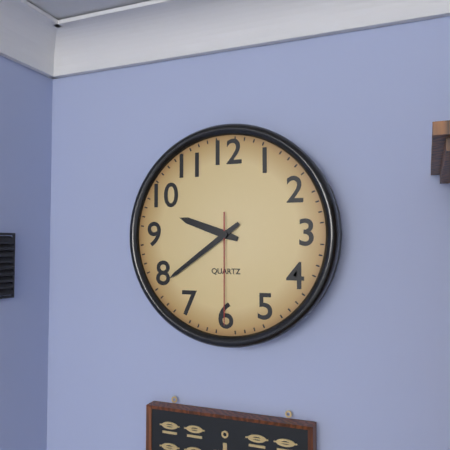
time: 9:39:30
